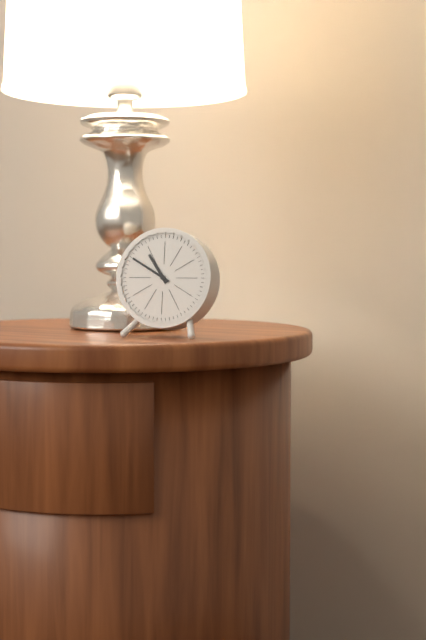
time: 10:50
